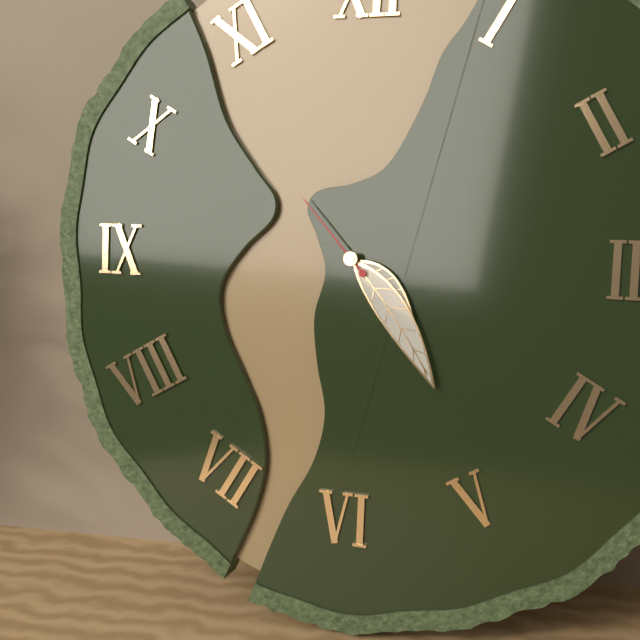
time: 4:24:53
